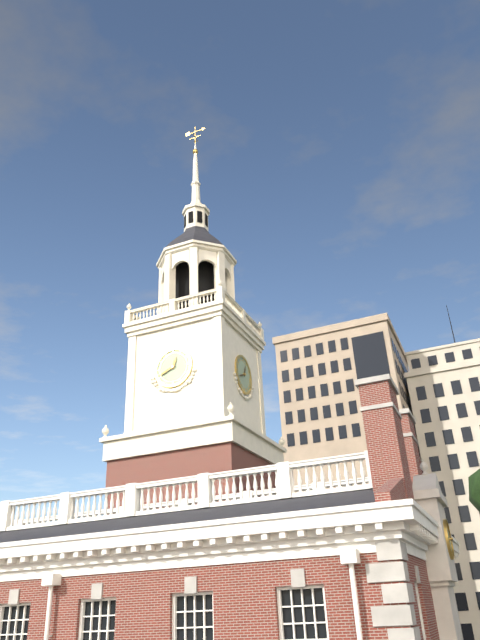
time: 12:41
